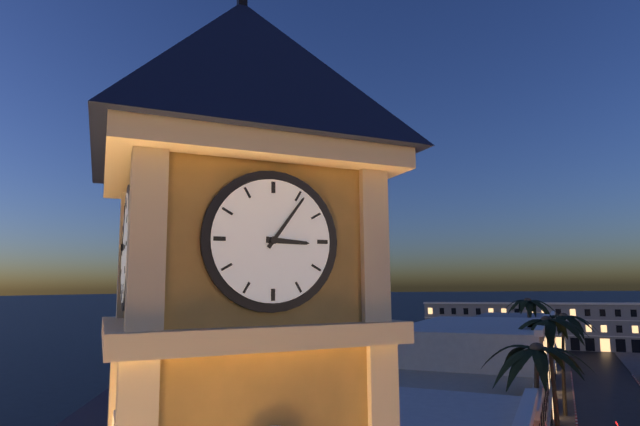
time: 3:06
